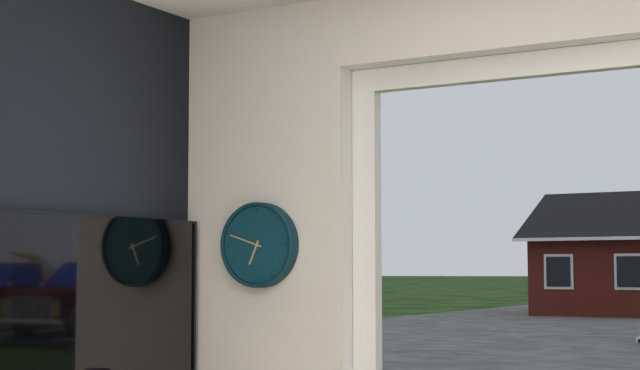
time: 6:48
